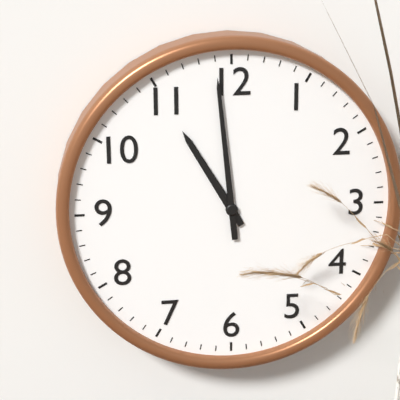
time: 10:59
